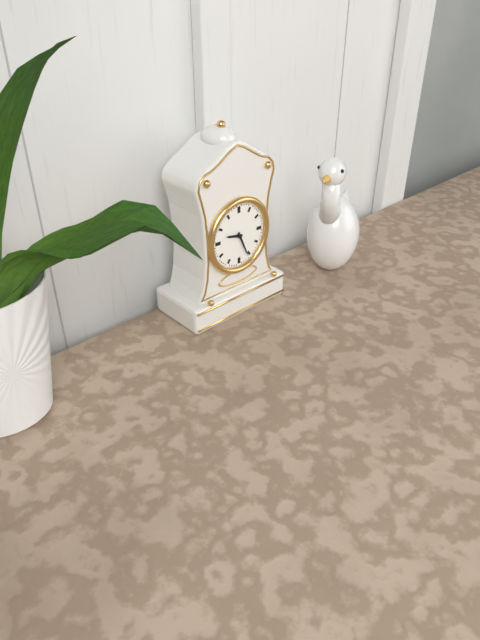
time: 9:26
